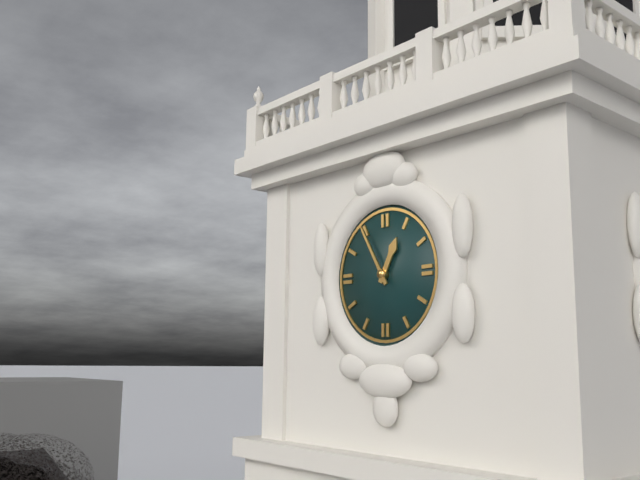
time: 12:55
